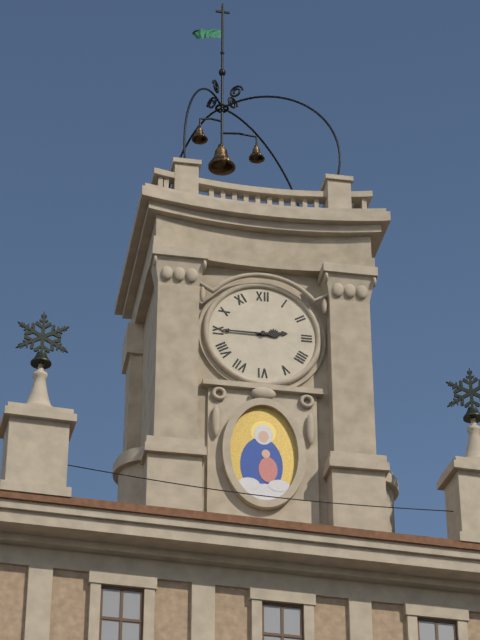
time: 2:45
